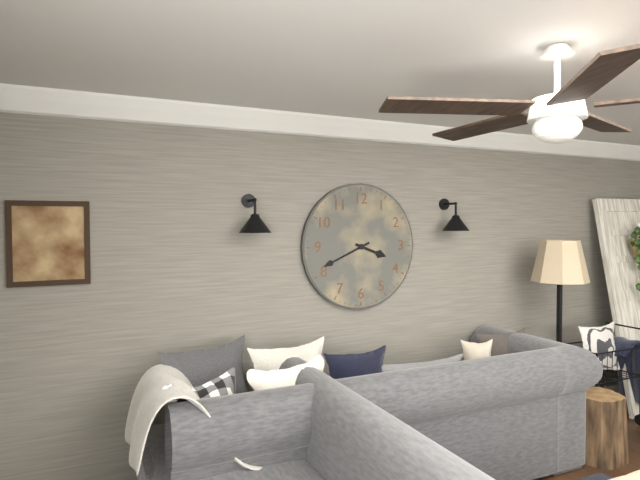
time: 3:41
